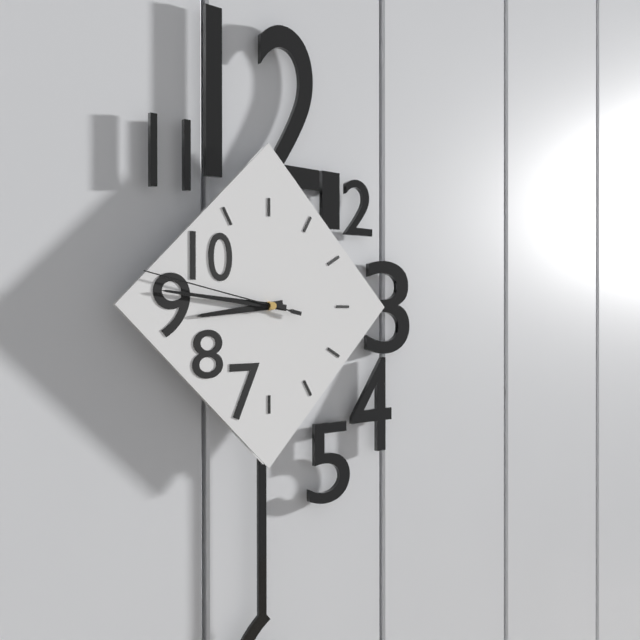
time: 8:46:47
